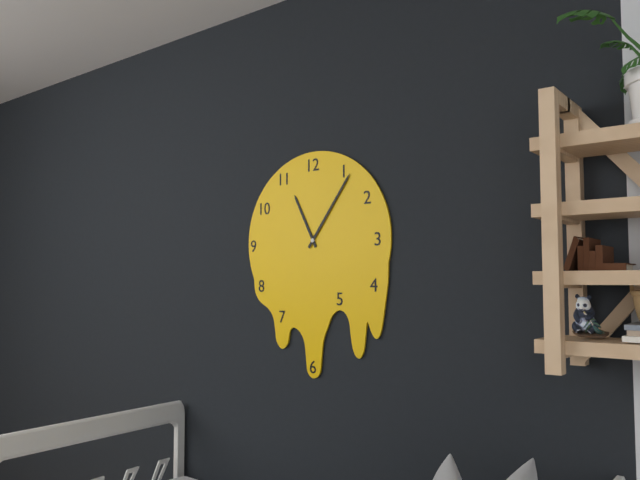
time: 11:06
